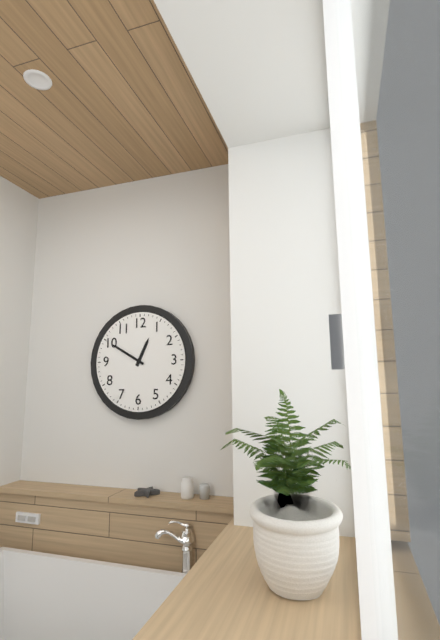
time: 12:50
